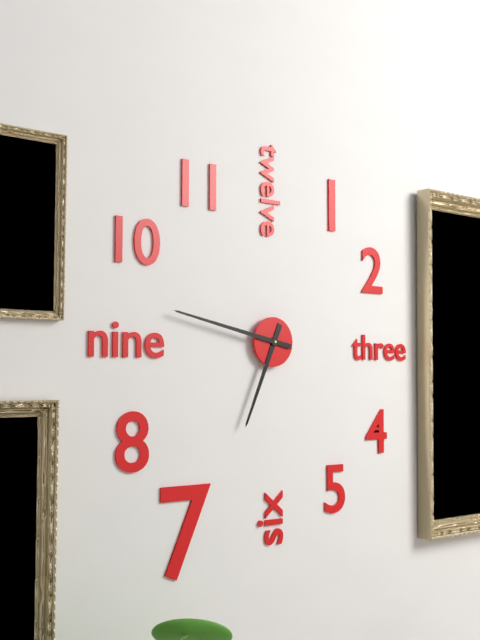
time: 6:47
